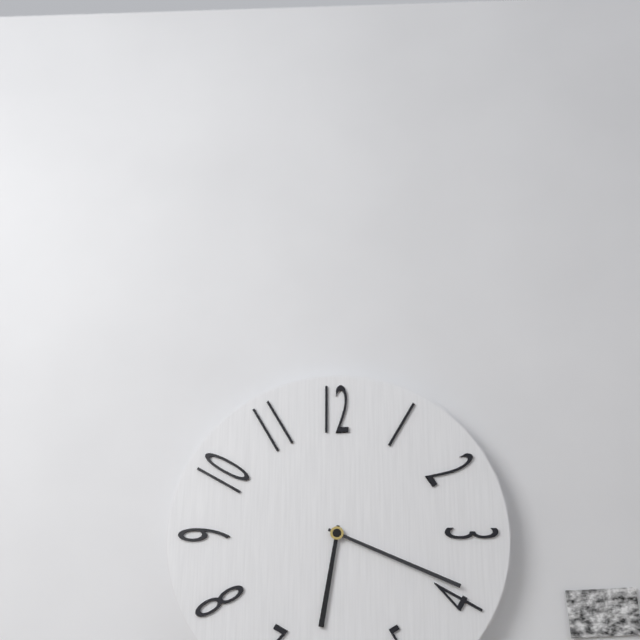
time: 6:19
